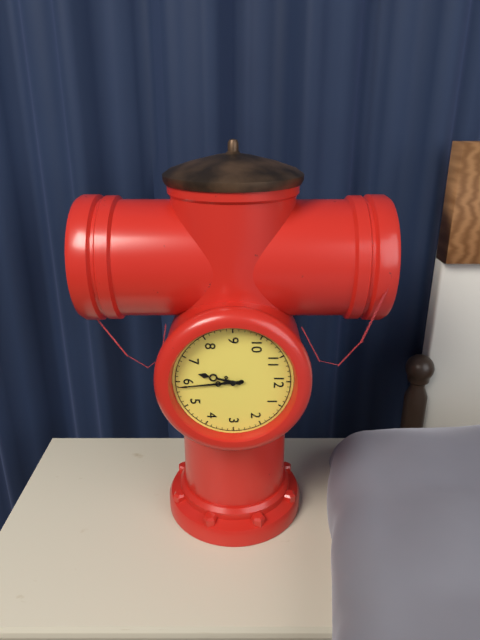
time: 6:29
